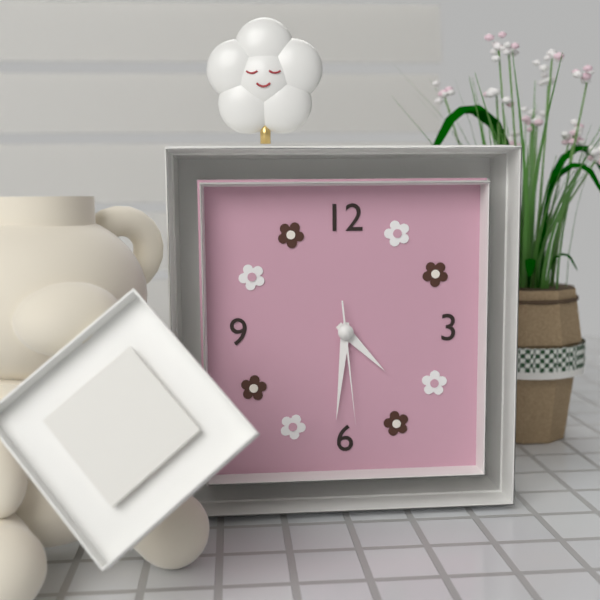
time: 4:31:29
